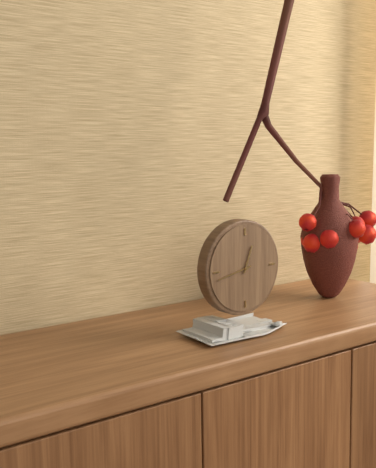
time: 12:43
